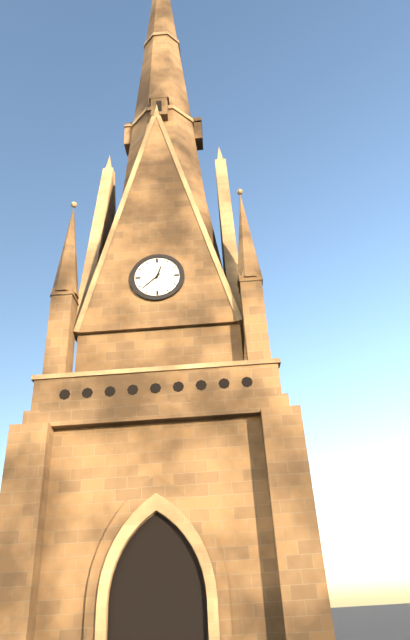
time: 12:38
